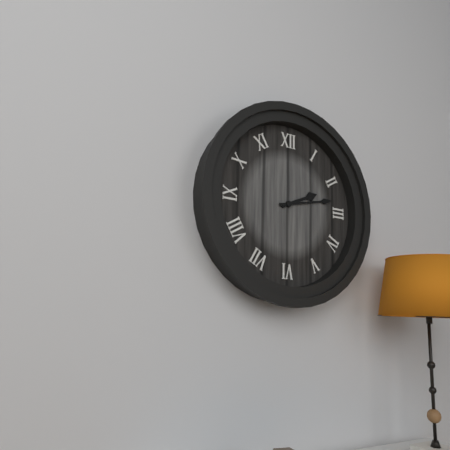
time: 2:13
